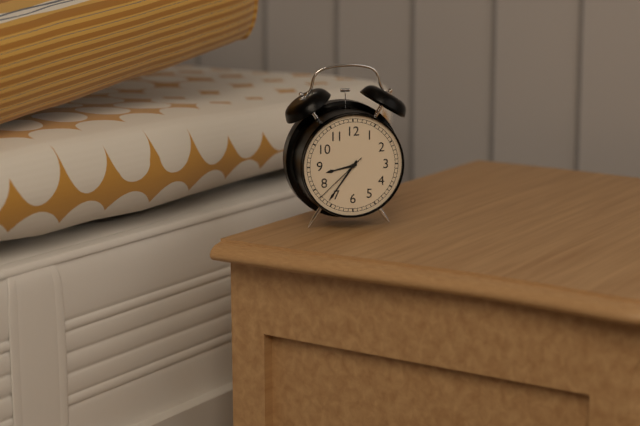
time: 8:36:38
